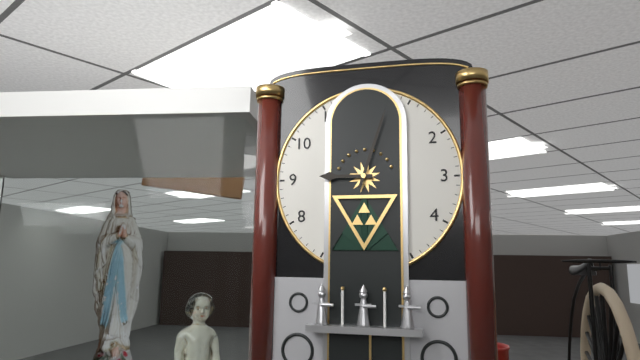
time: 9:03
